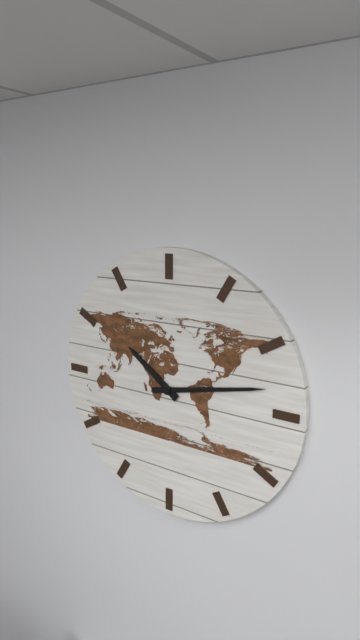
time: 10:13
